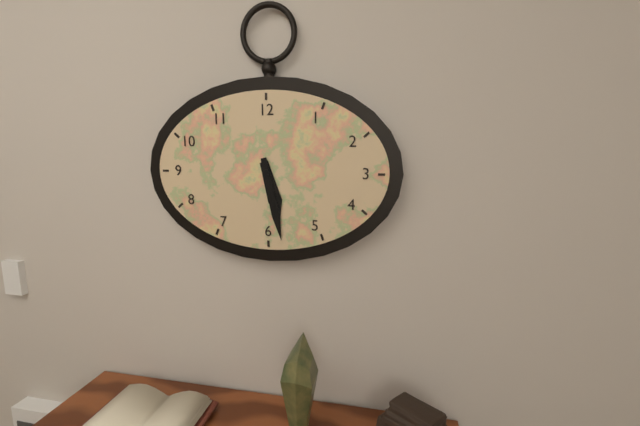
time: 5:28
